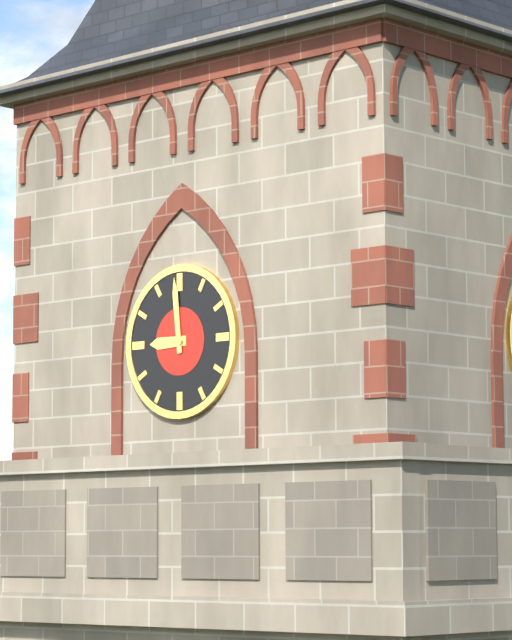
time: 8:59
